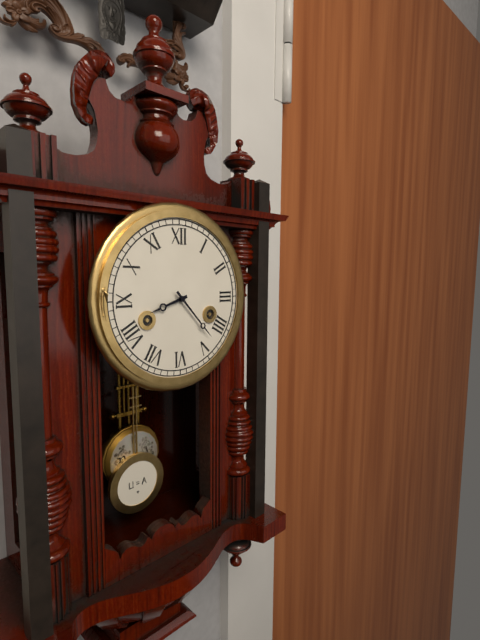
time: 8:23
